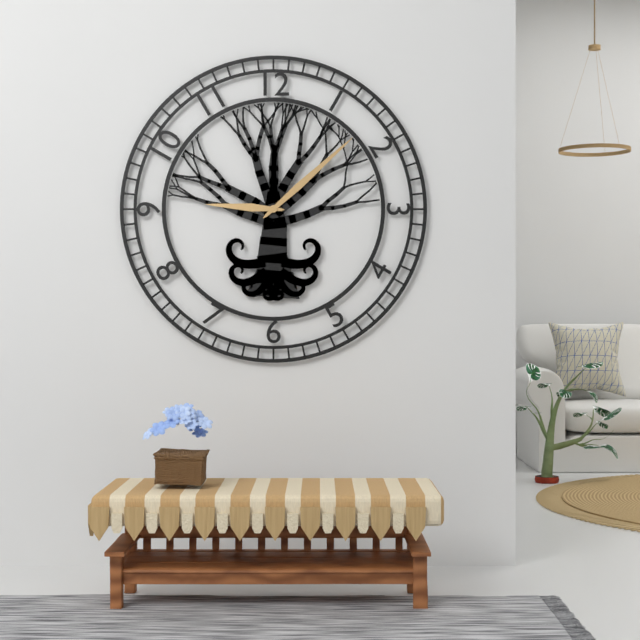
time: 9:08
